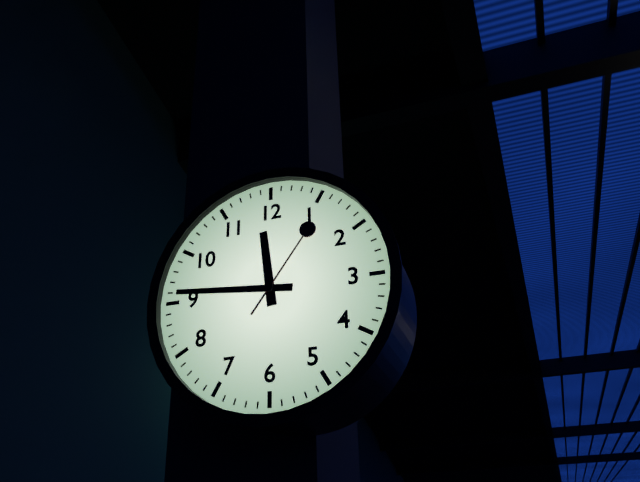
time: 11:46:06
